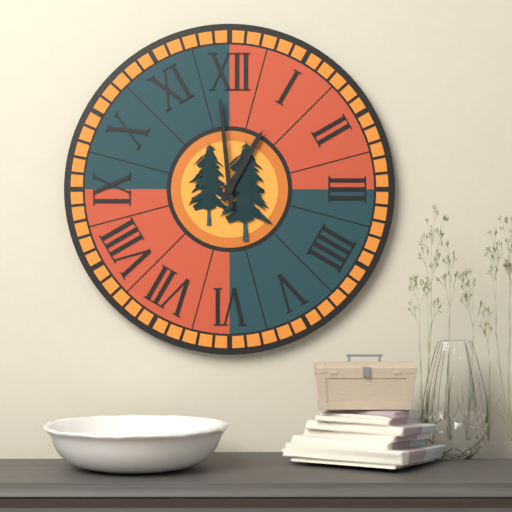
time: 12:59
